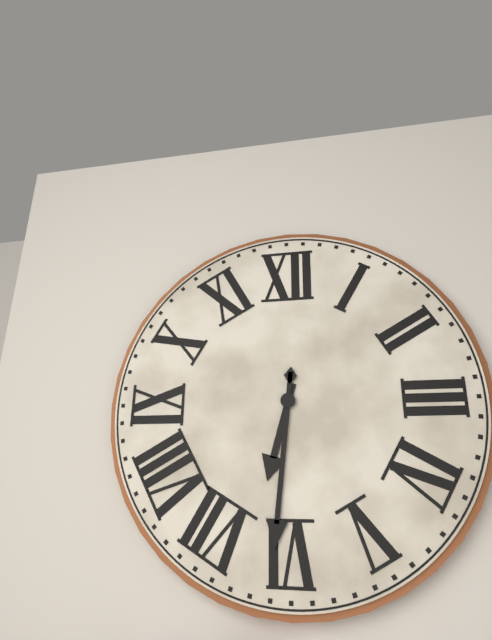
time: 6:31
